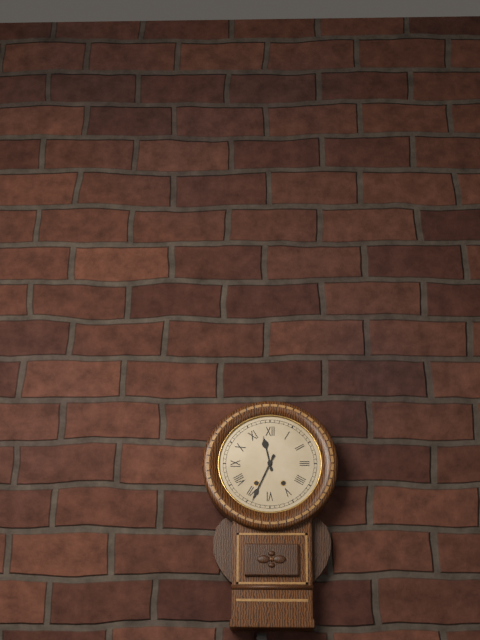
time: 11:34
